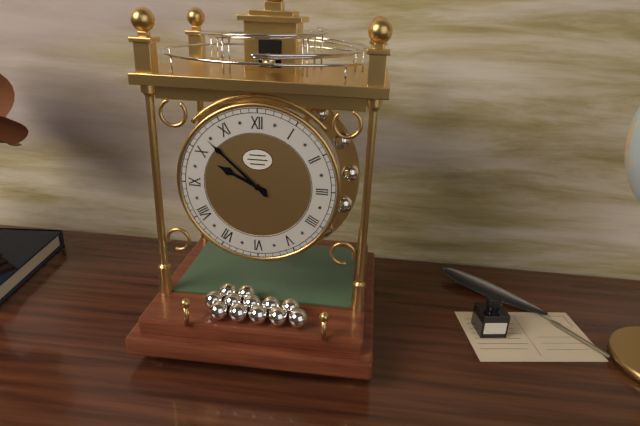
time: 9:52
